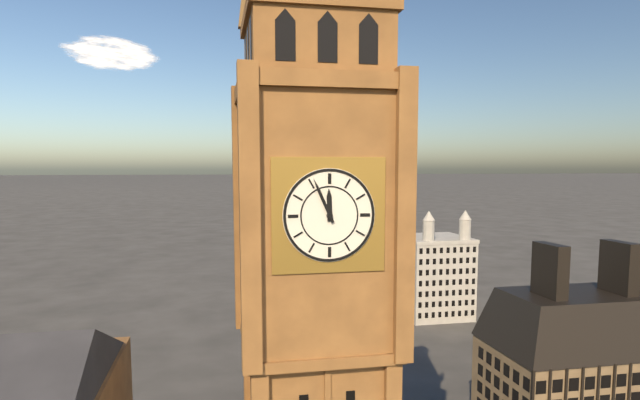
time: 11:56
